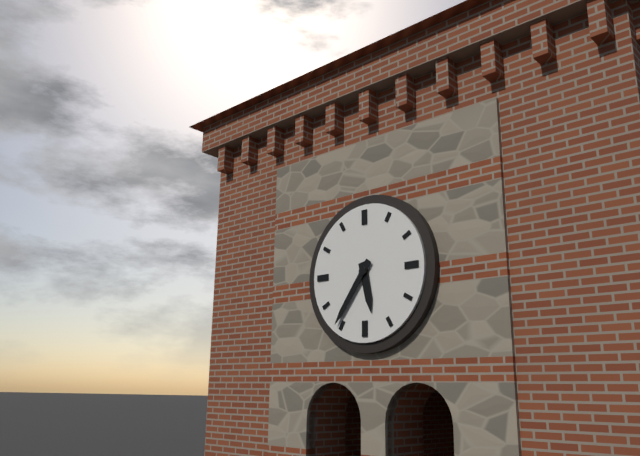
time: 5:36
